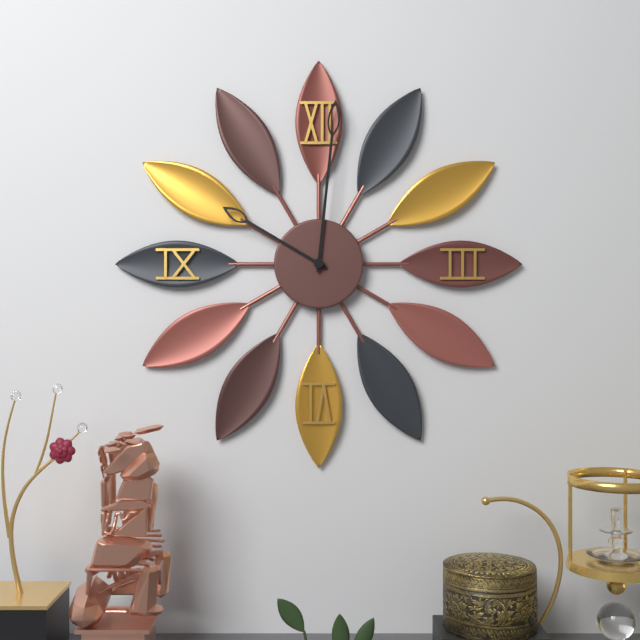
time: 10:01
